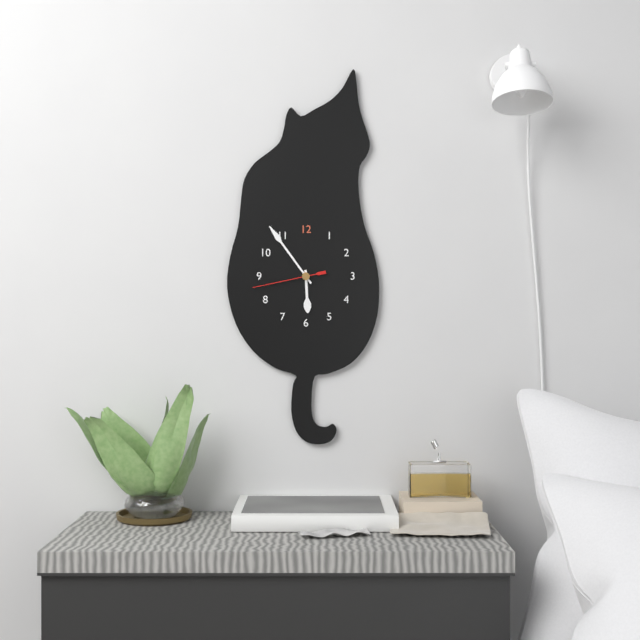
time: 5:54:43
